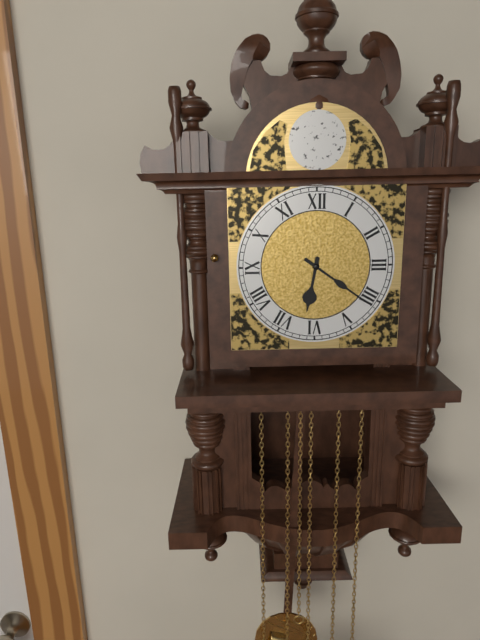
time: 6:21
